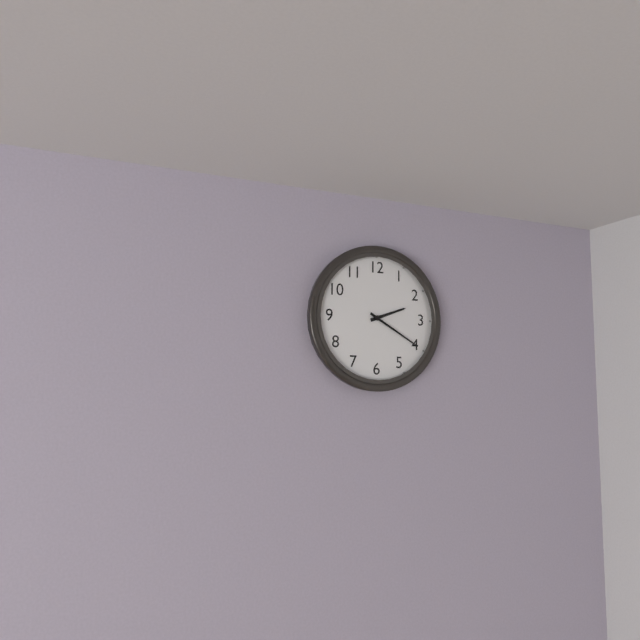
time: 2:20
